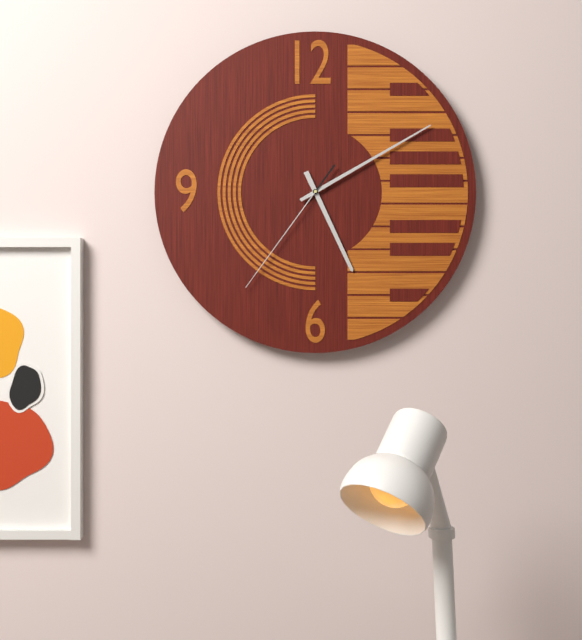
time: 5:10:36
